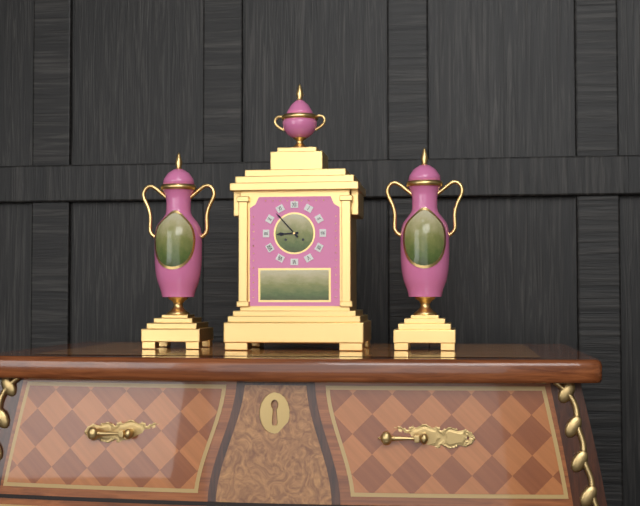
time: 8:53
